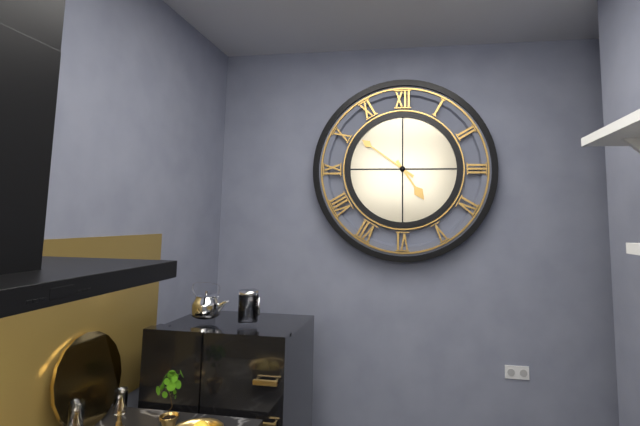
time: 4:51
